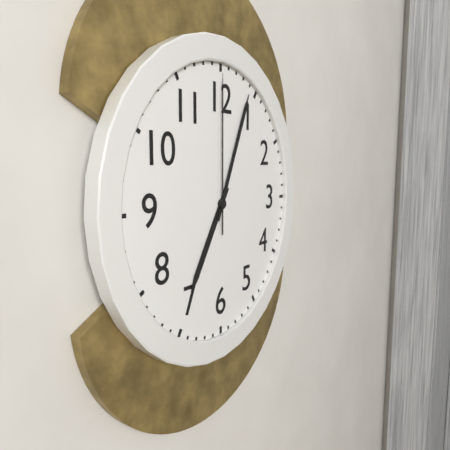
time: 7:04:00
